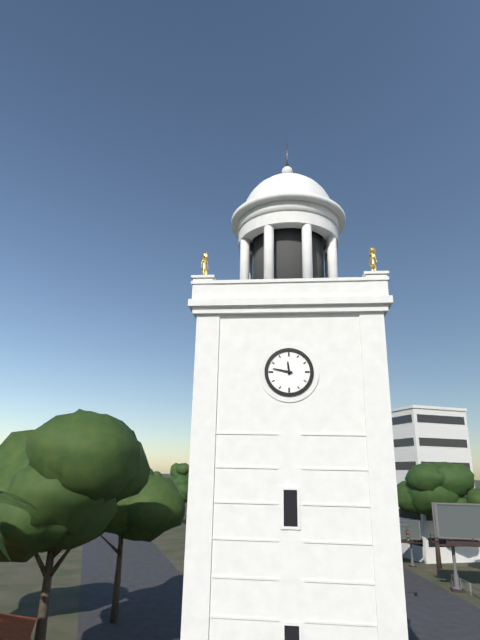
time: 11:47
